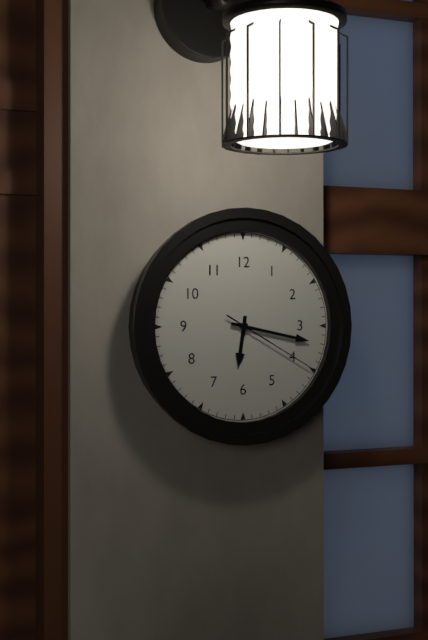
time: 6:17:20
